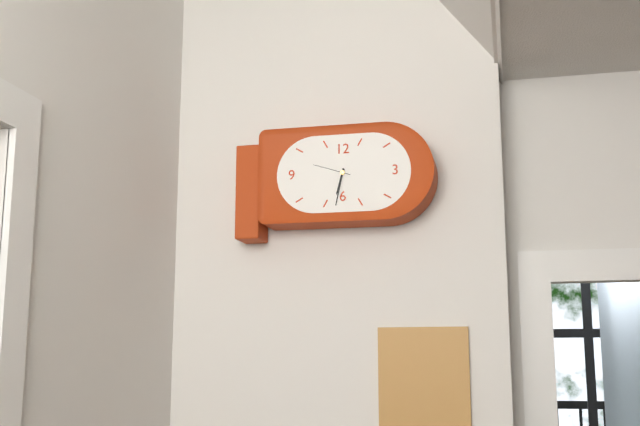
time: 6:32
